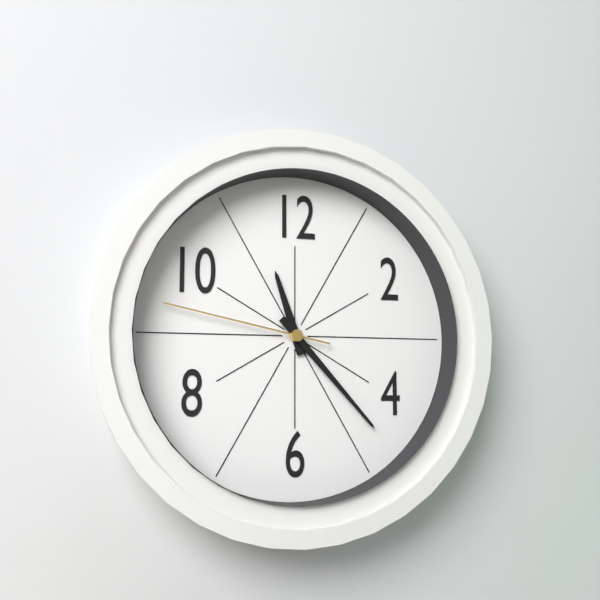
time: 11:23:47
